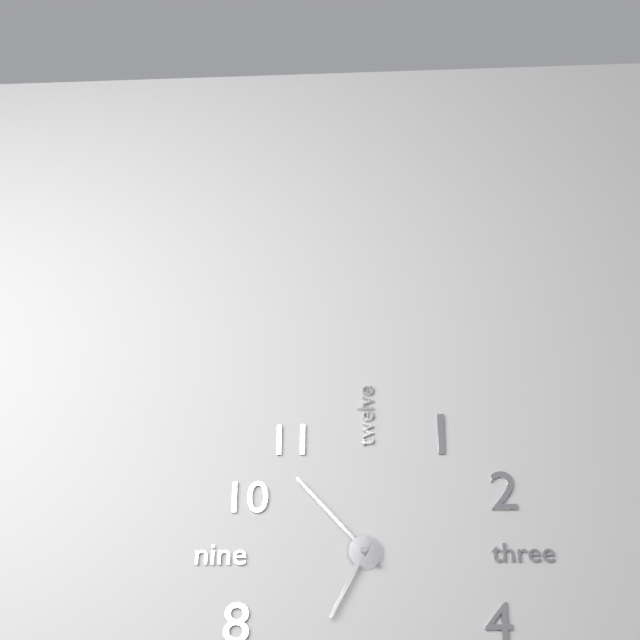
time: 6:53
